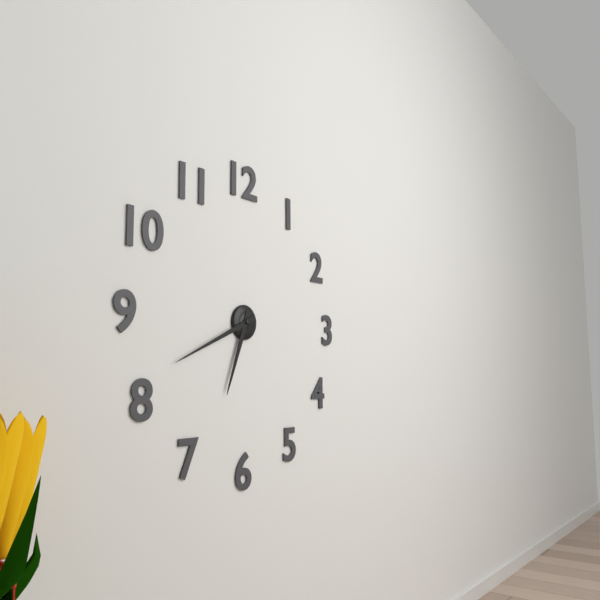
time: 6:41
